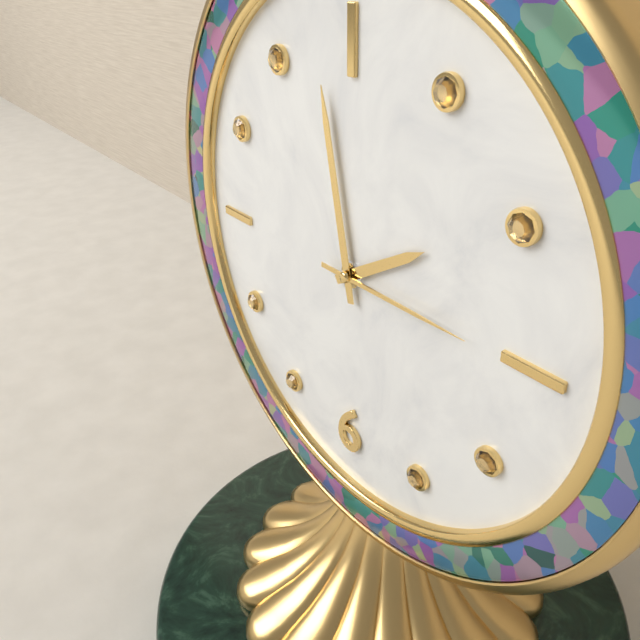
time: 1:58:15
